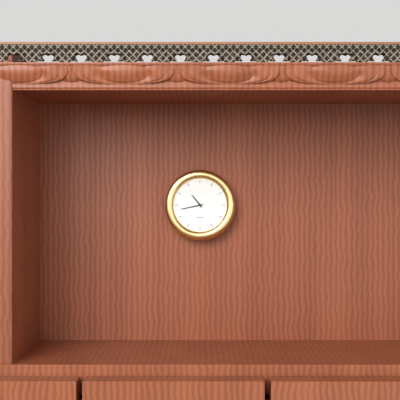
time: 10:43
